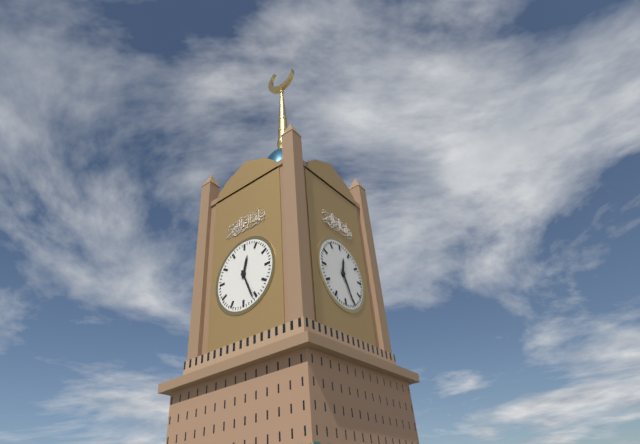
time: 12:26
